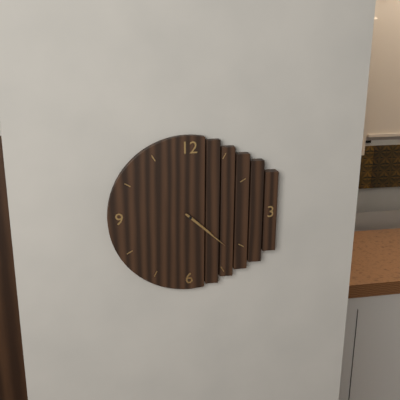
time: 4:22
